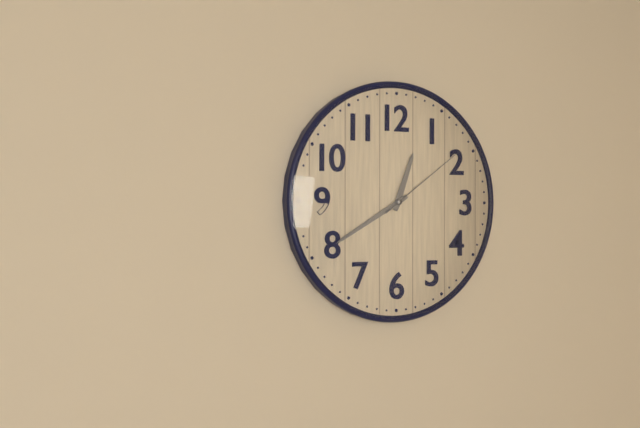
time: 12:40:09
